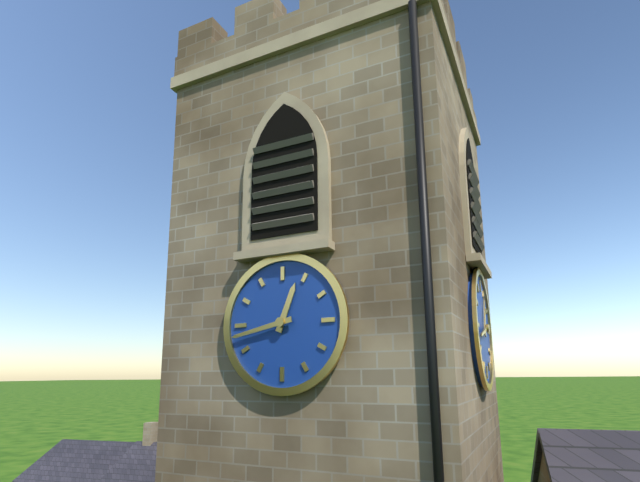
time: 12:43
